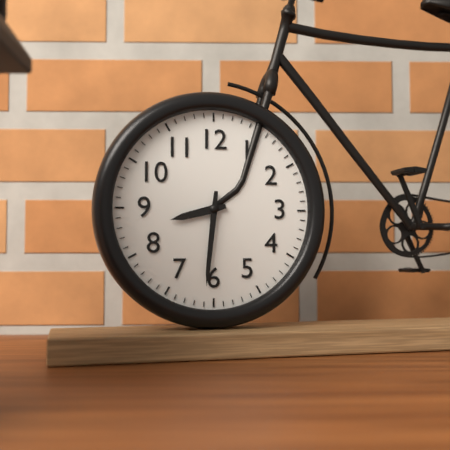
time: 8:31
